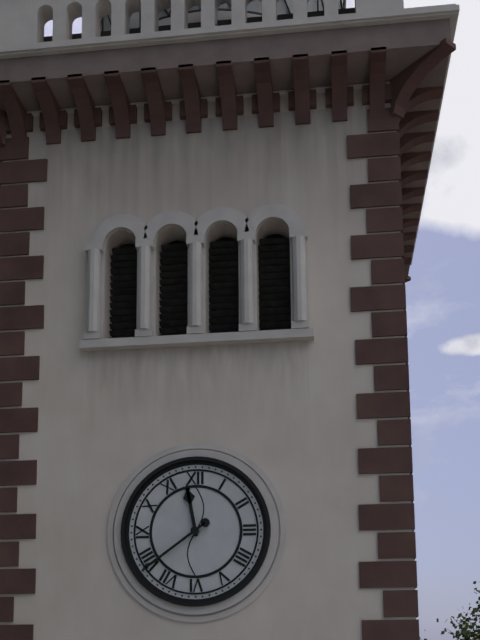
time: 11:39
